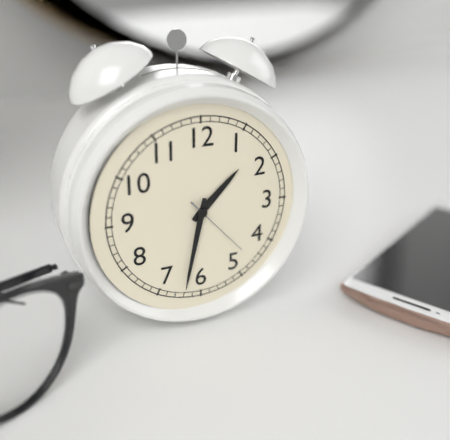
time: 1:32:23
